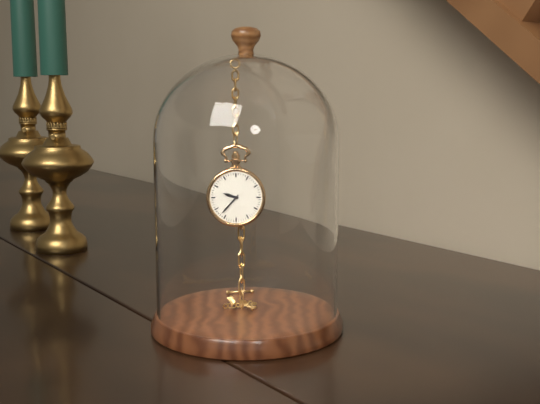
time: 9:37
